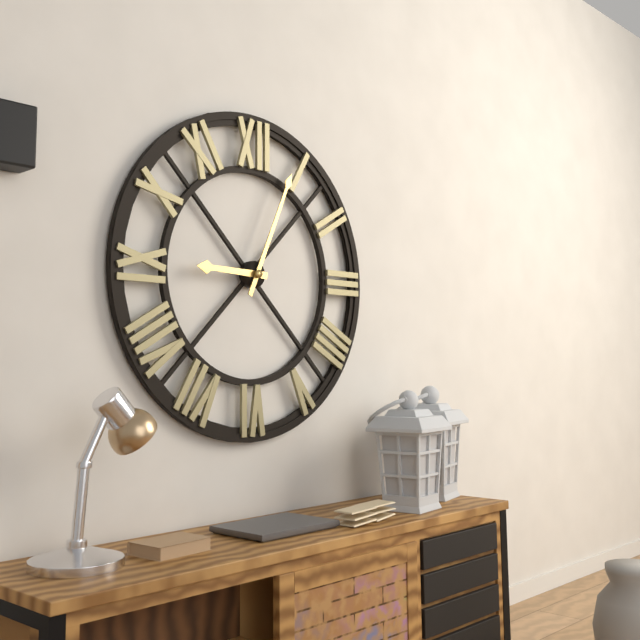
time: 9:04
